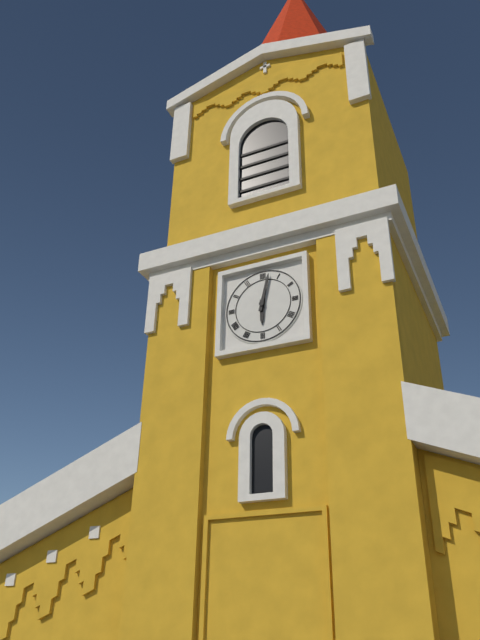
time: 6:02
